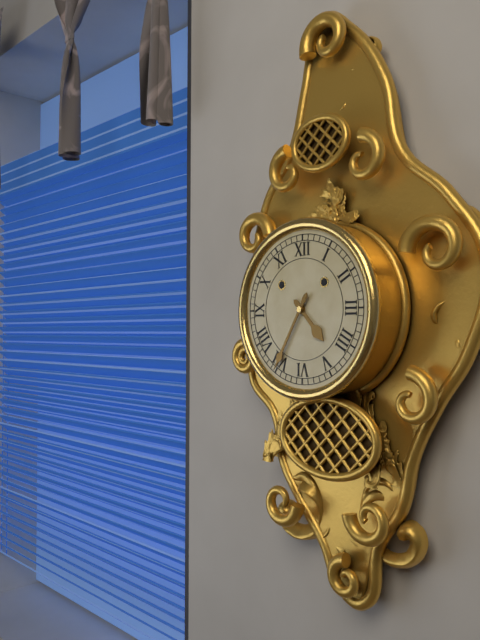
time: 4:35
